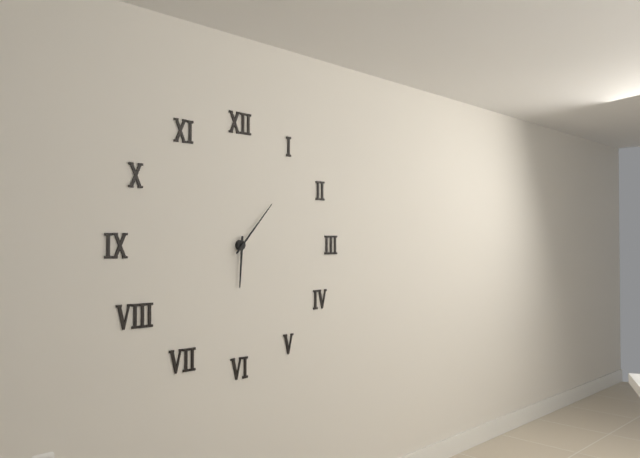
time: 6:07
